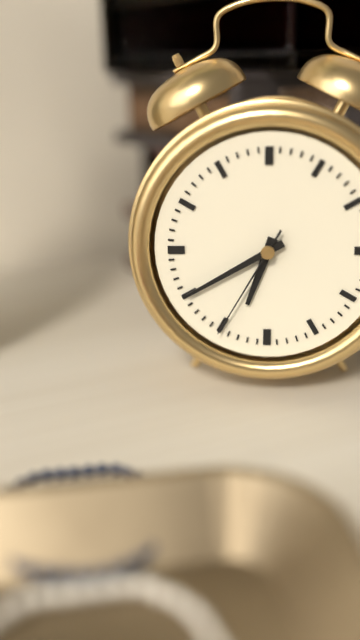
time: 6:40:35
